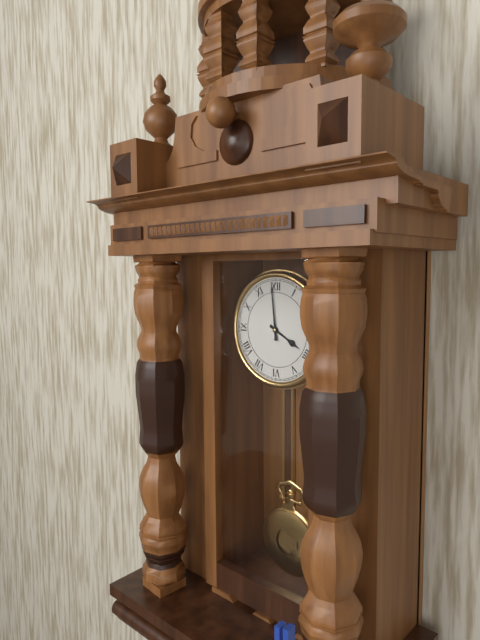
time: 3:59
